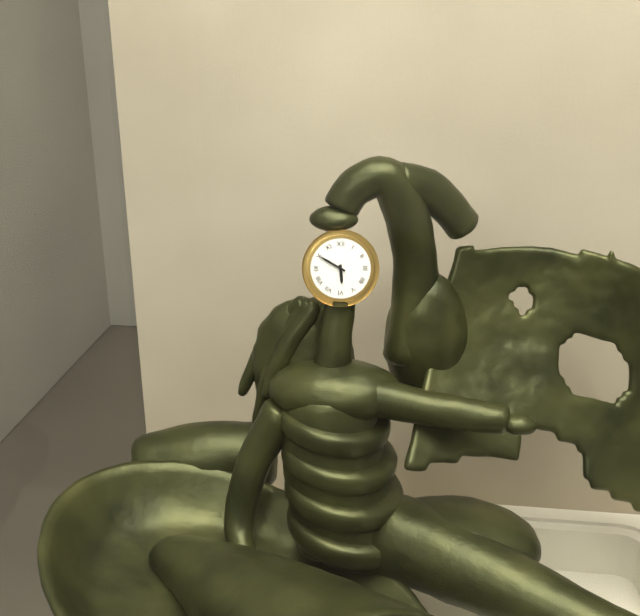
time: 5:50
